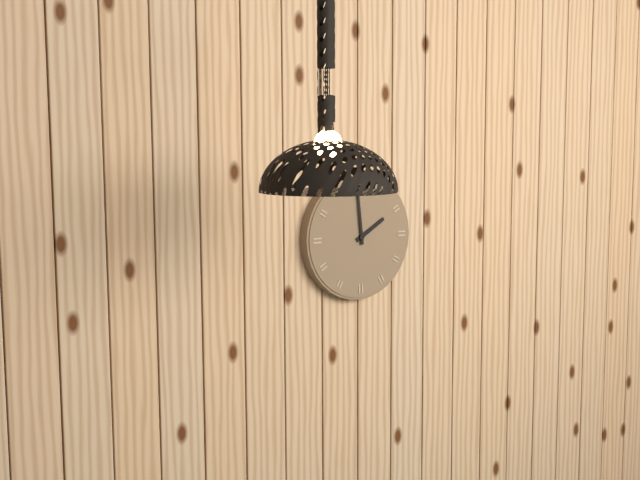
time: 1:59
